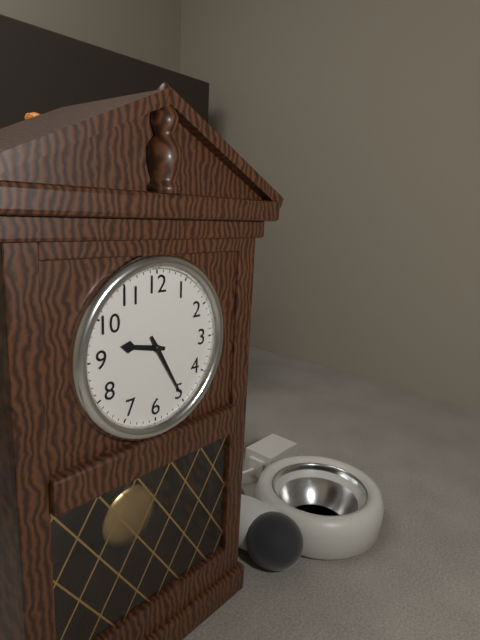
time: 9:25
